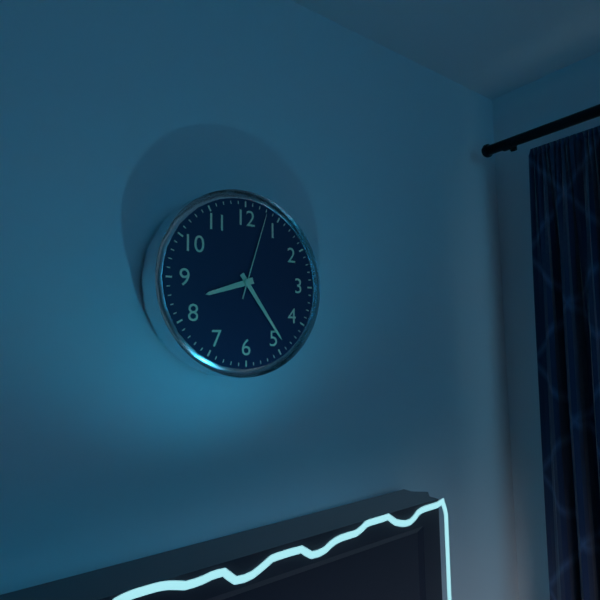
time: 8:24:03
